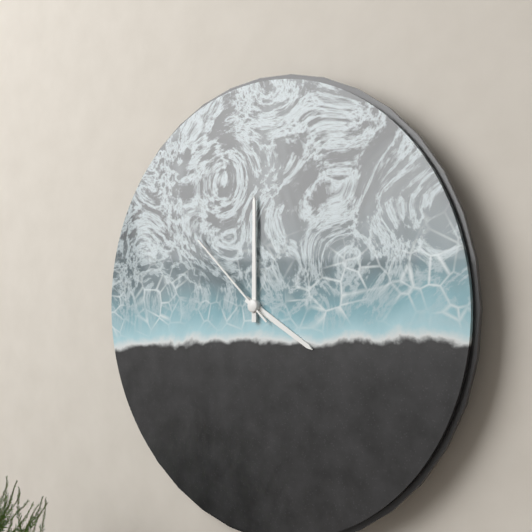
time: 4:00:52
